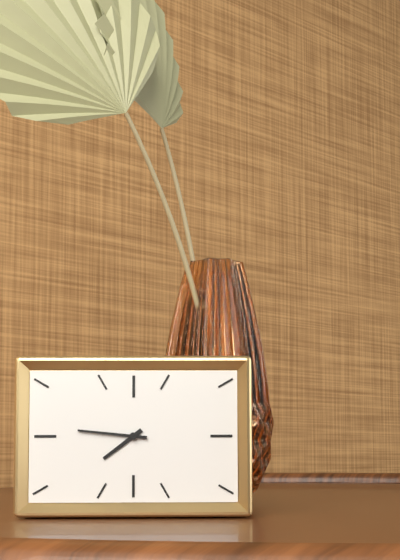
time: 7:46
